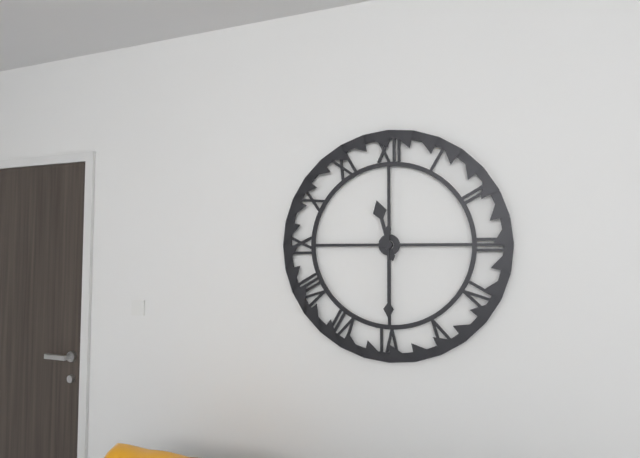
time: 11:30
